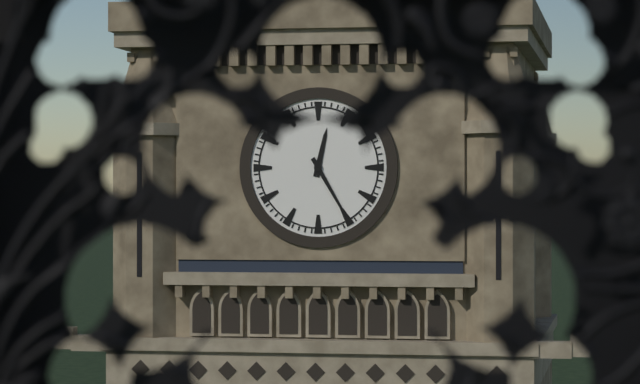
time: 12:25
